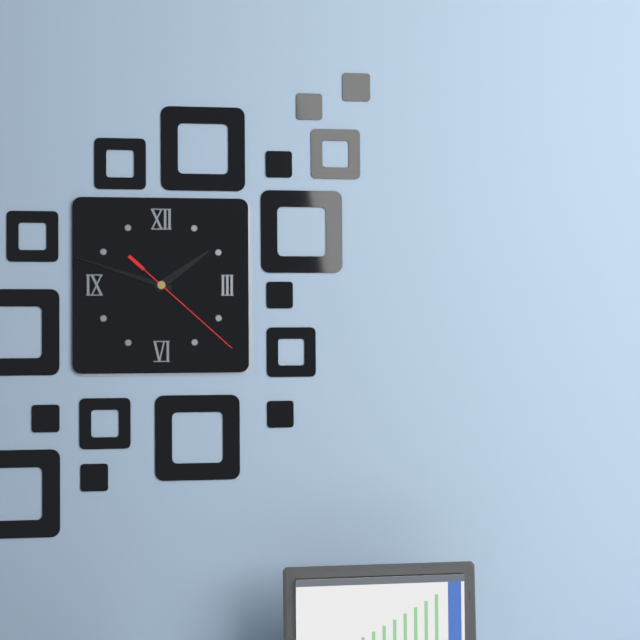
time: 1:48:22
